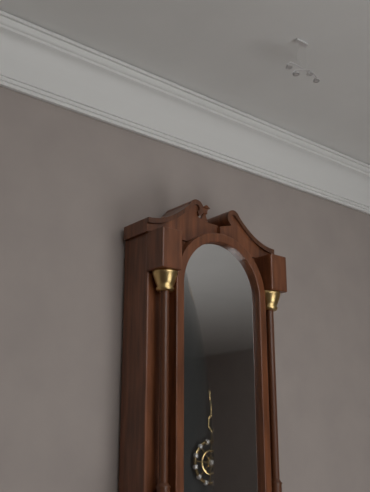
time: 6:11
